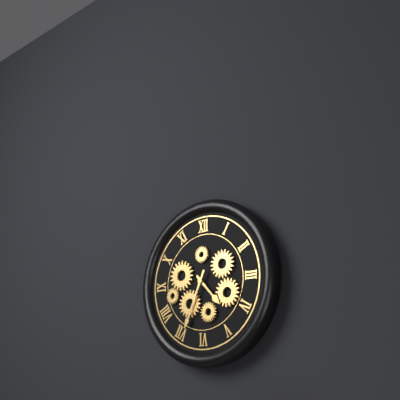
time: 4:34
